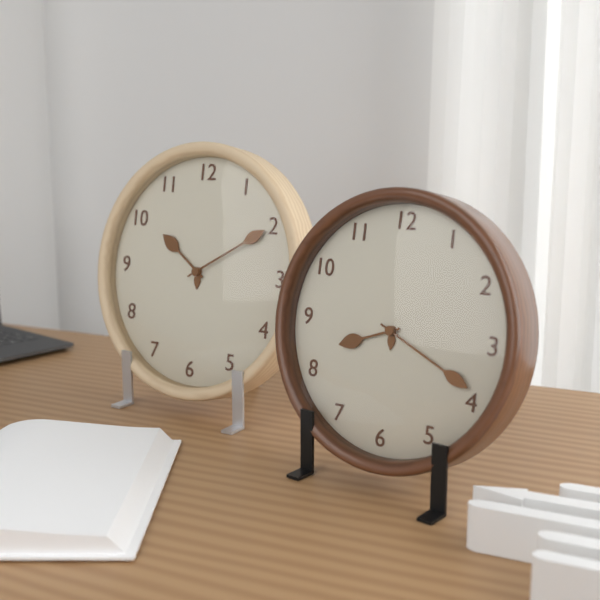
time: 8:19
